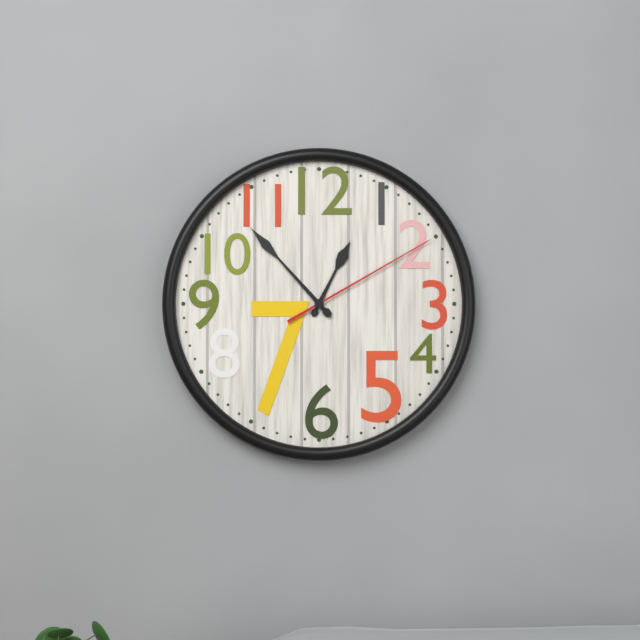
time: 12:53:10
